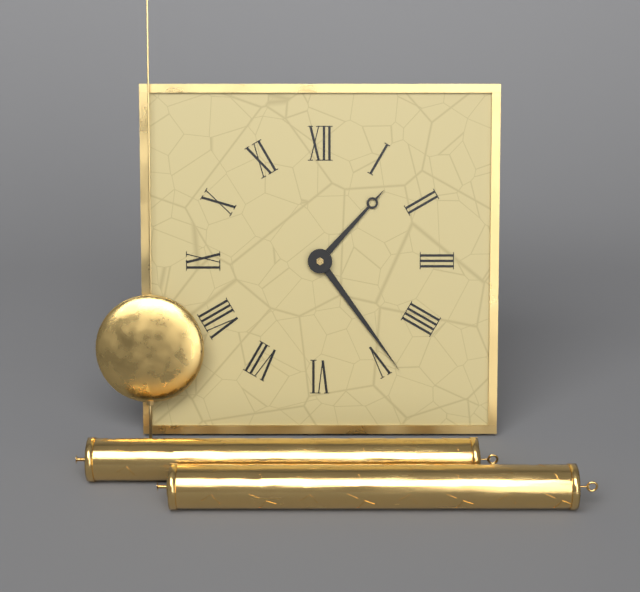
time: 1:24
